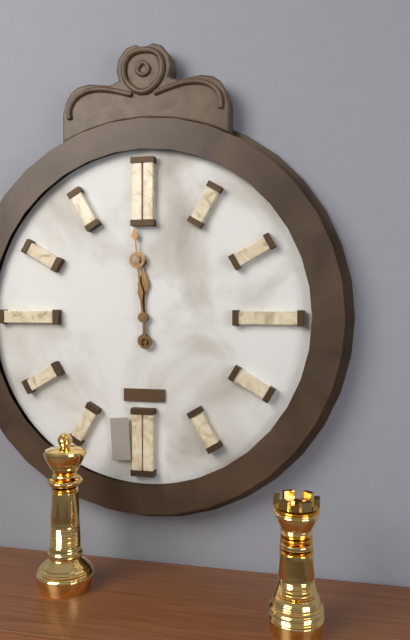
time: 11:59
